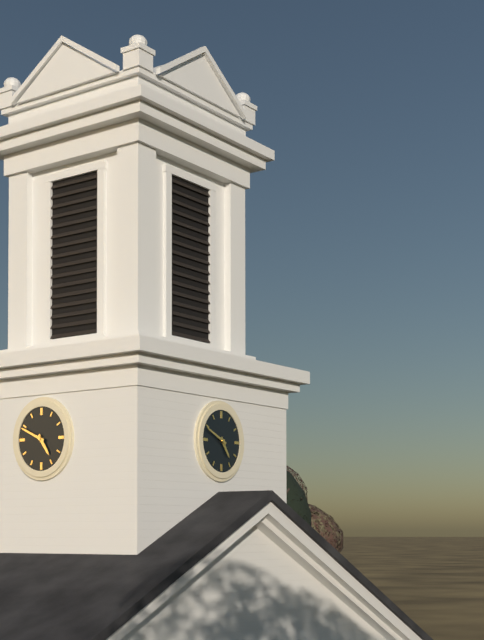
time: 4:49
